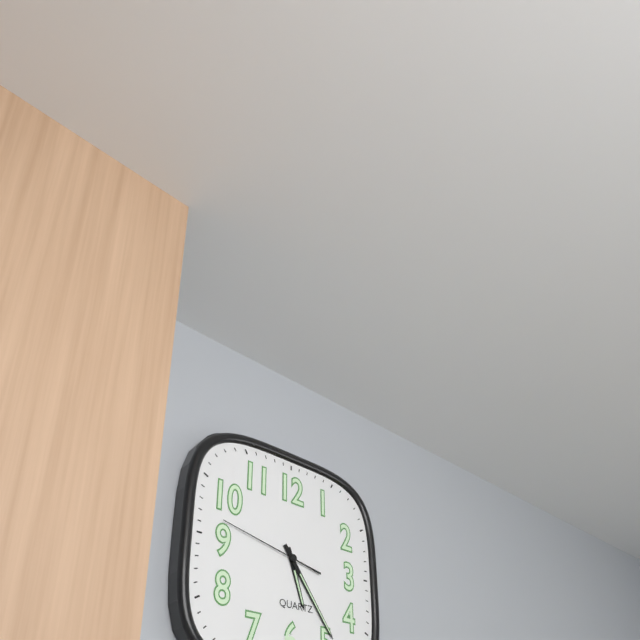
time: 5:24:47
